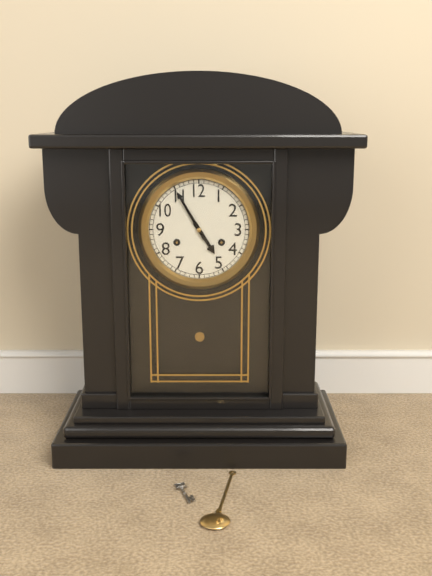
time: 4:55
